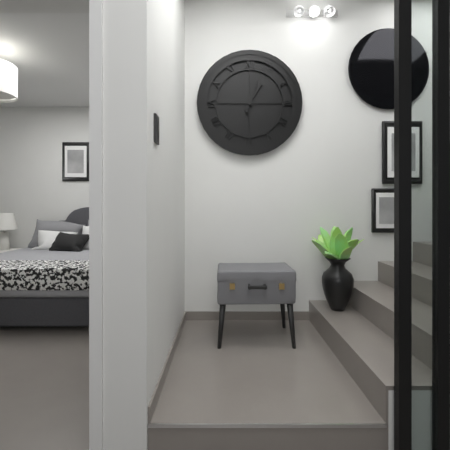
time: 1:03
